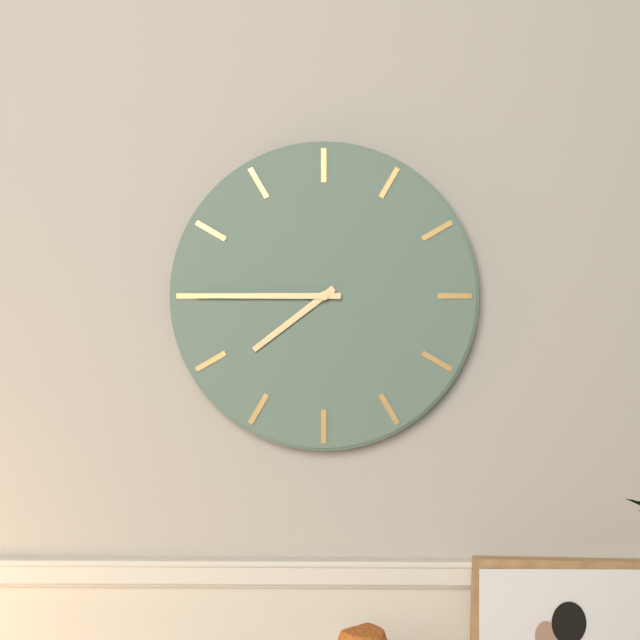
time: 7:45
